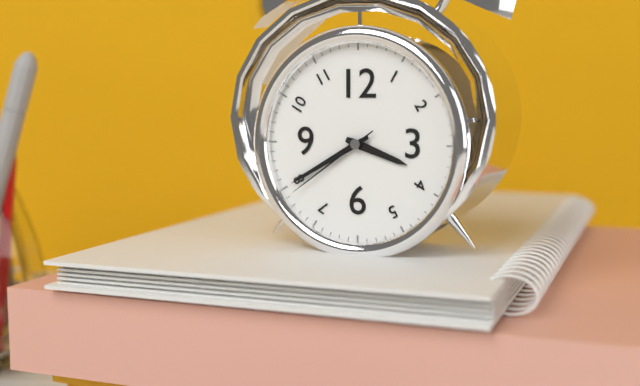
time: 3:40:39
